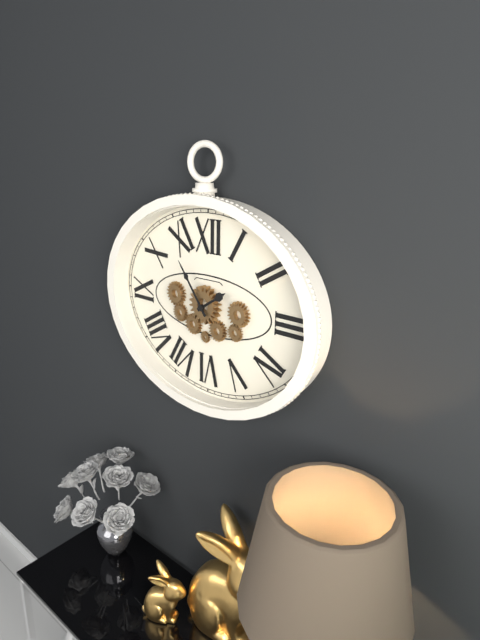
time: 1:54
